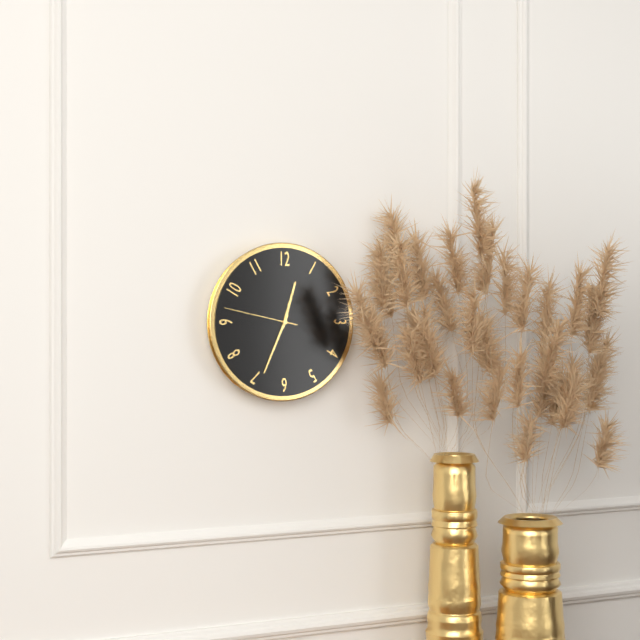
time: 12:34:47
